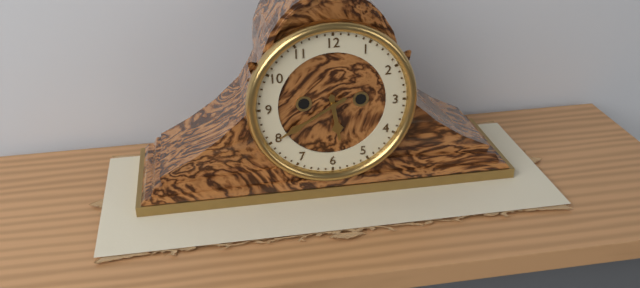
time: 5:40
